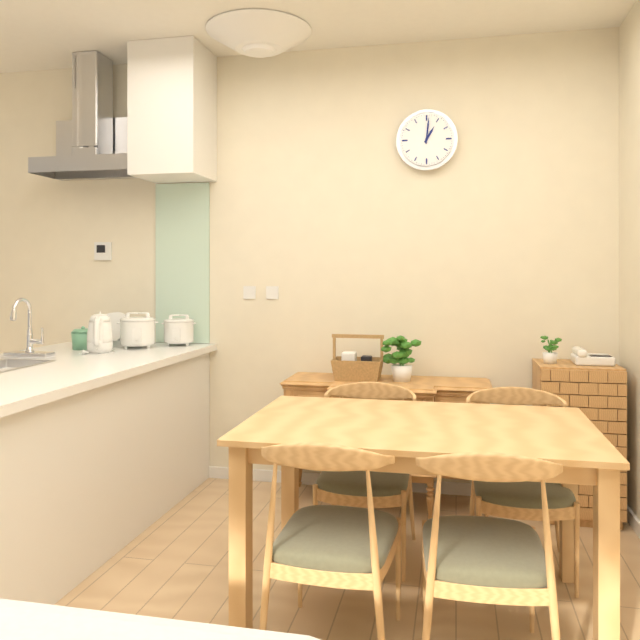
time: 1:01
